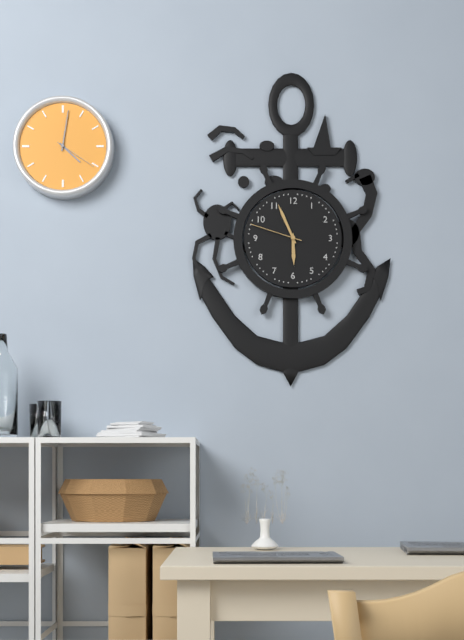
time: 5:56:48
